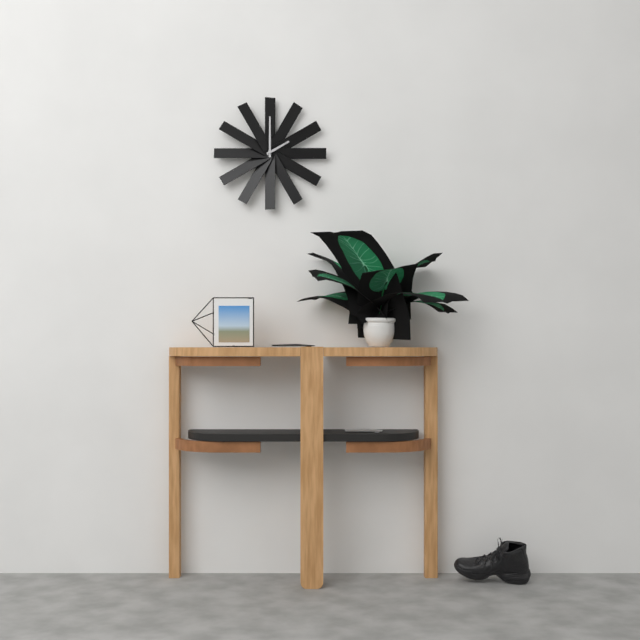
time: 2:00
